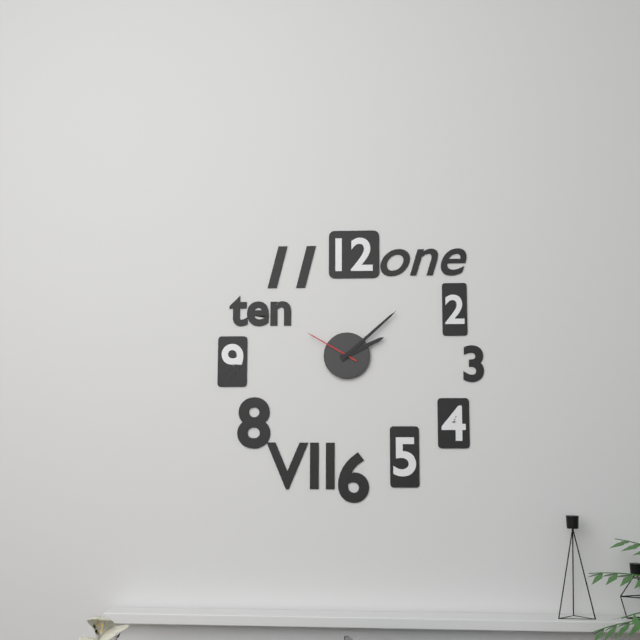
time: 2:08:50
